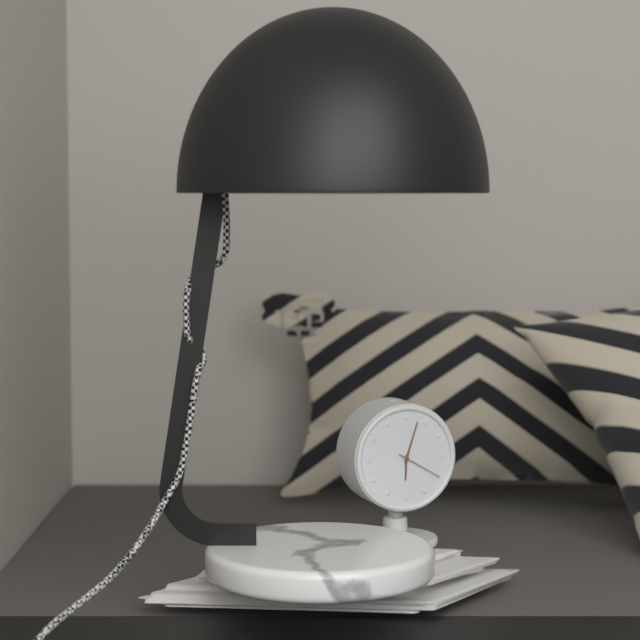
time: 6:03
